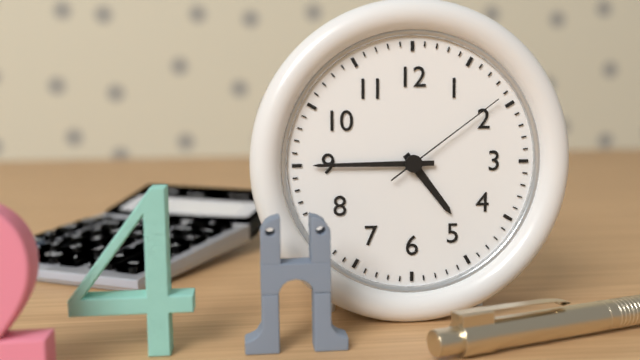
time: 4:45:09
